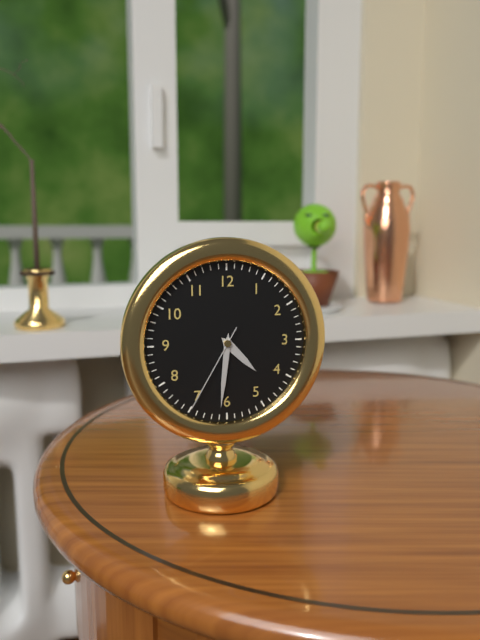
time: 4:31:35
